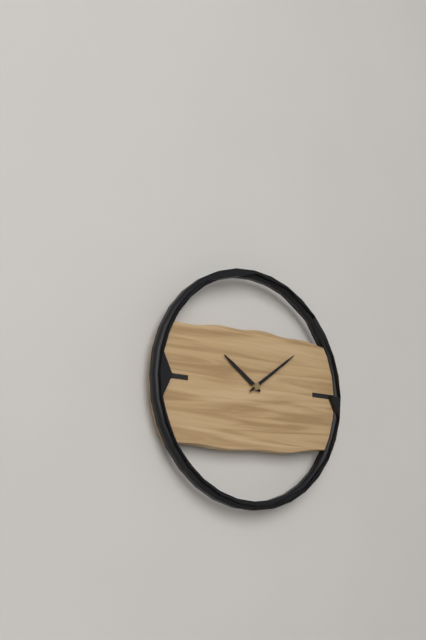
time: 10:09
